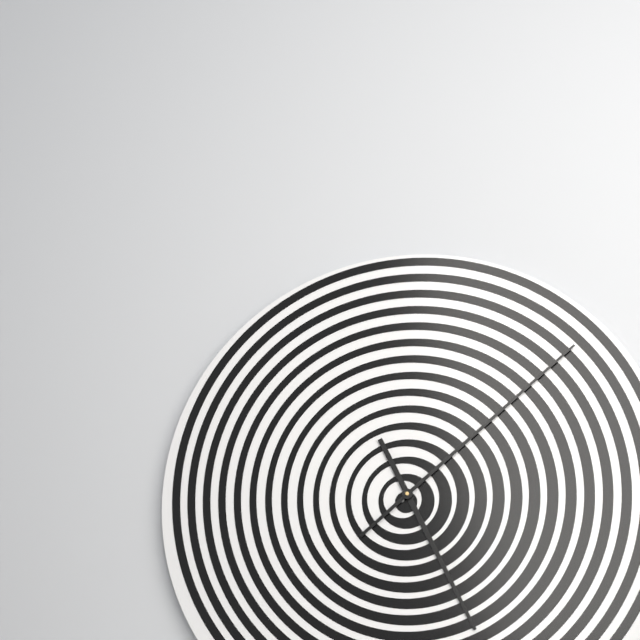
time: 5:08
